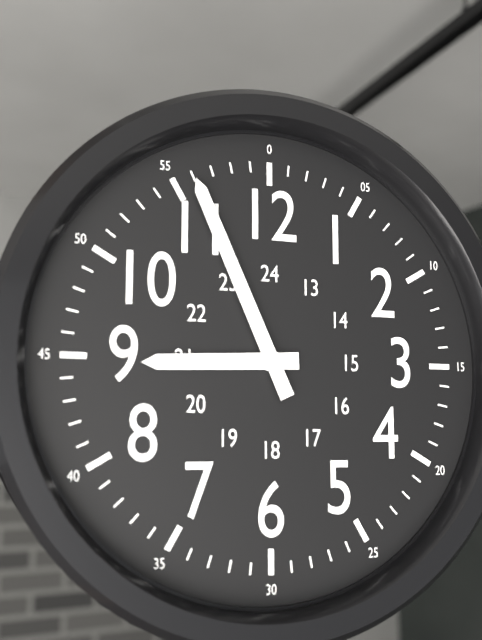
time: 8:56
